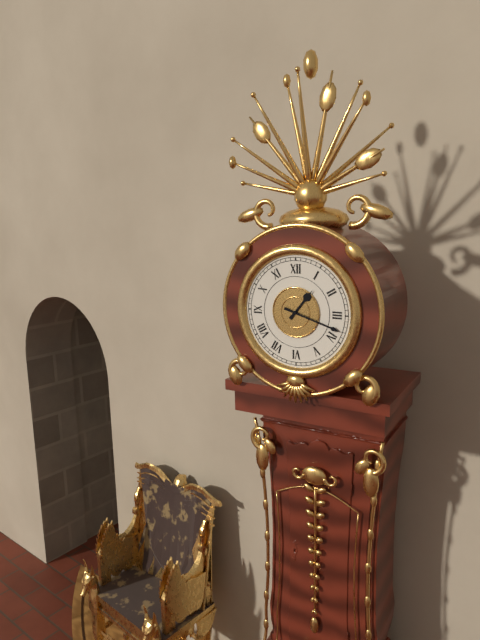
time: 1:18
